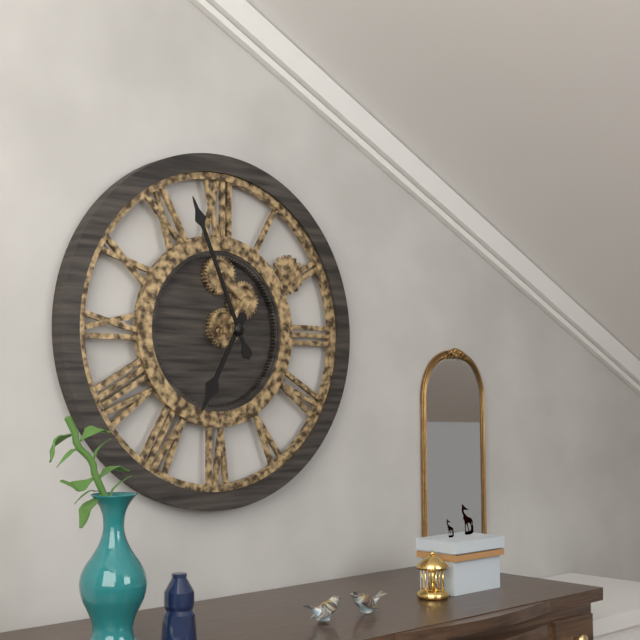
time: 6:56
